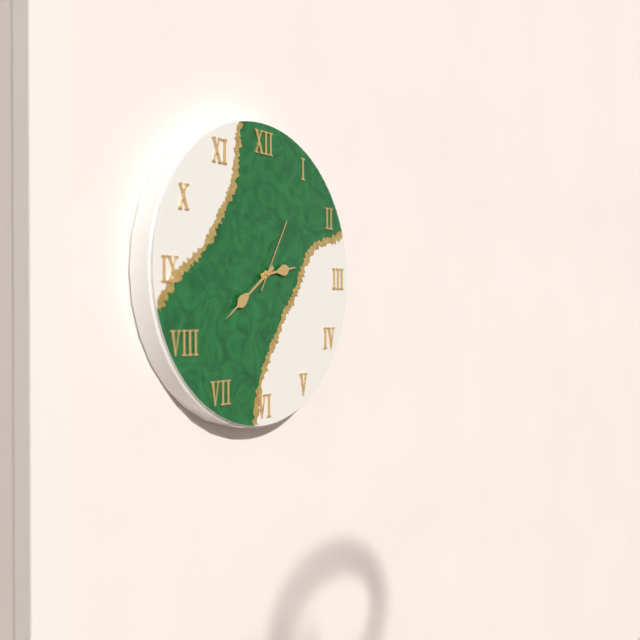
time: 2:39:05
